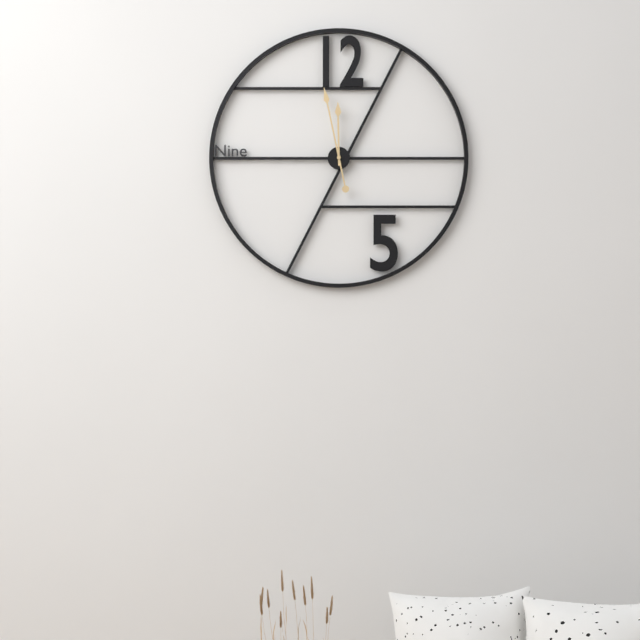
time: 11:58
